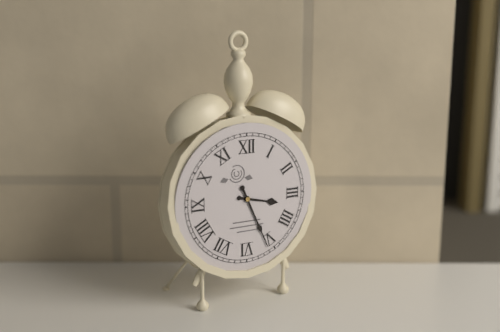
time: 3:26
